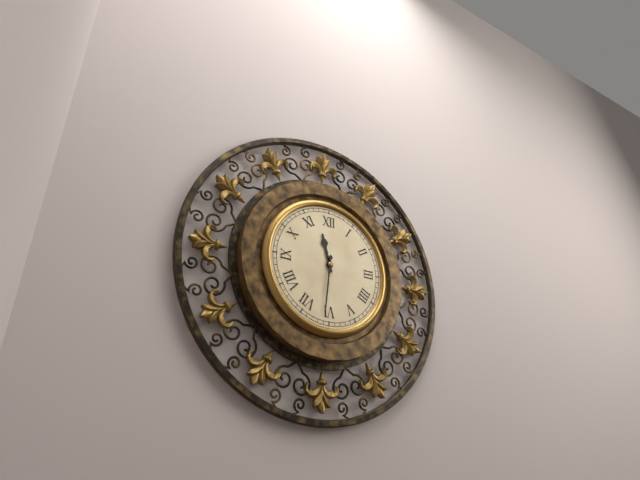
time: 11:31
